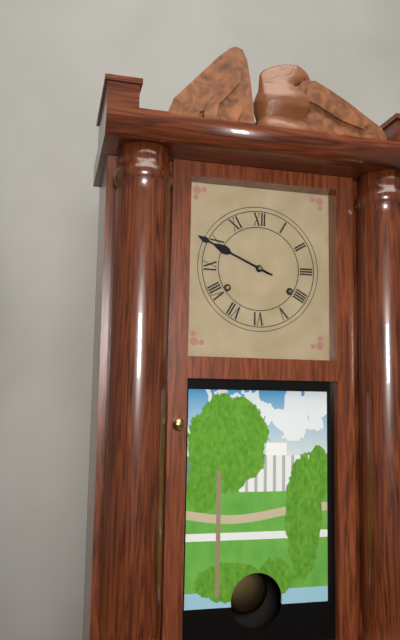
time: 9:49
